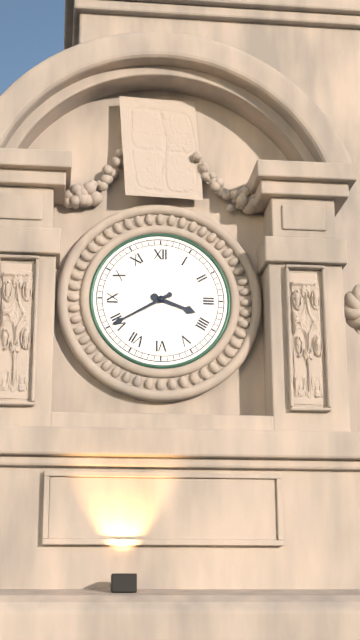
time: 3:40
